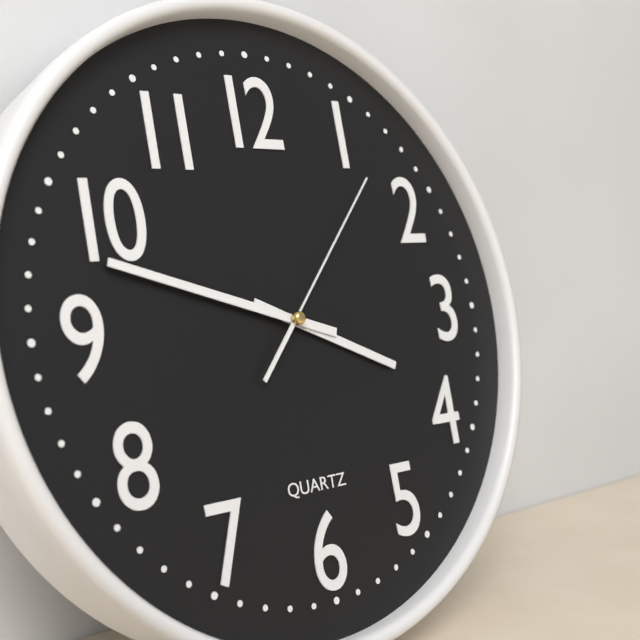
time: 3:48:07
